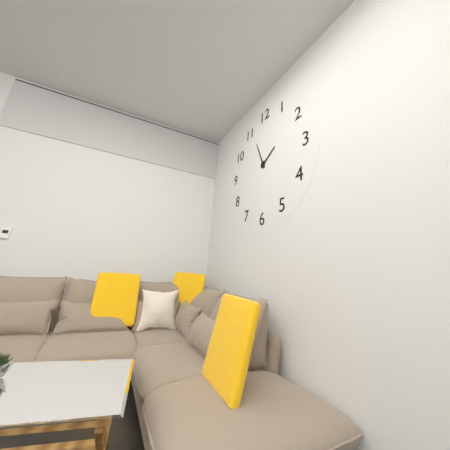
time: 1:56
